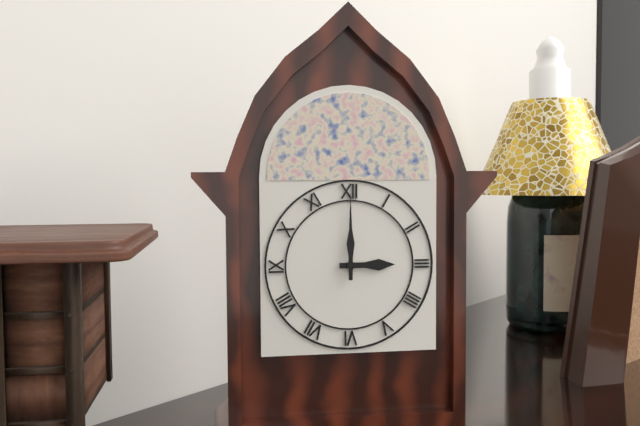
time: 3:00
